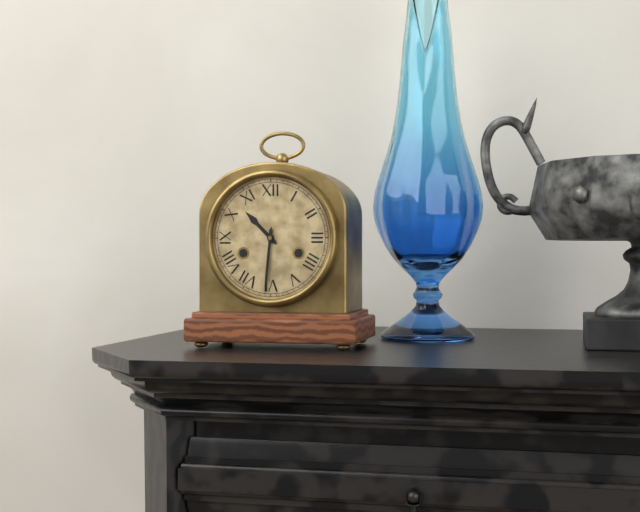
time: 10:31
